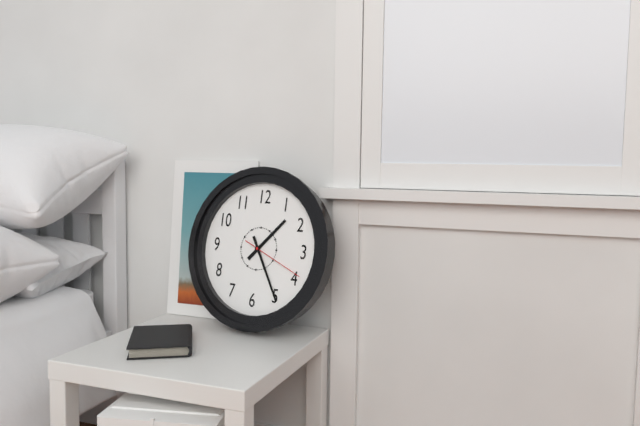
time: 1:25:19
